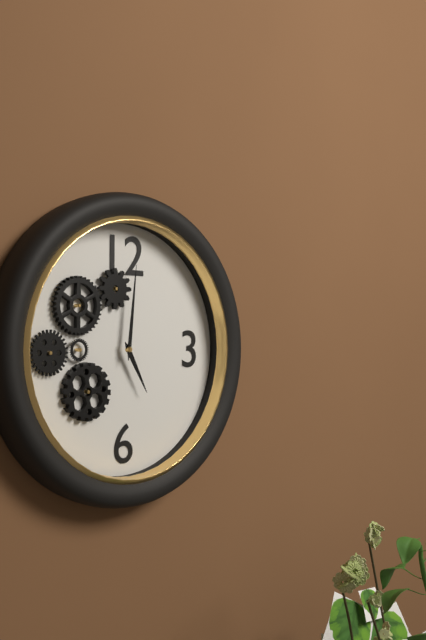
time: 5:01
